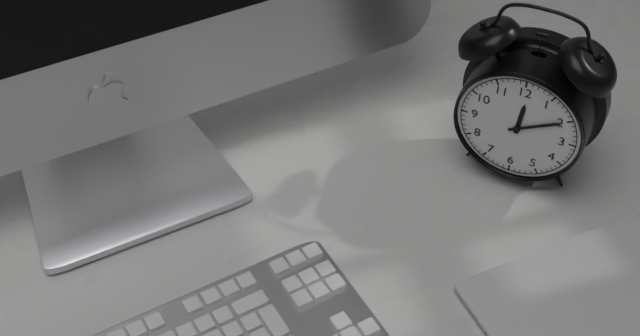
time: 12:10
